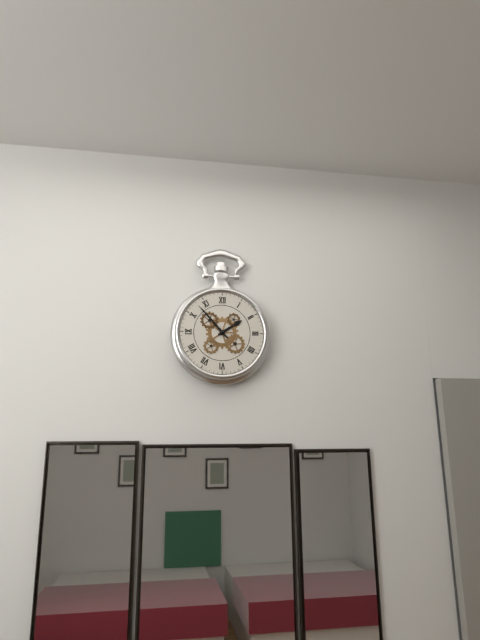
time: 1:53
